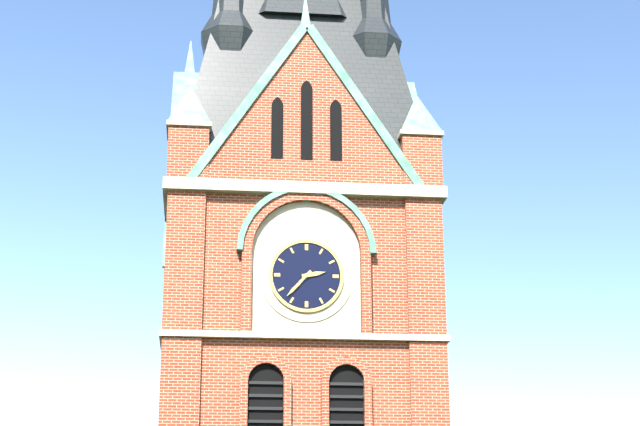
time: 2:37
